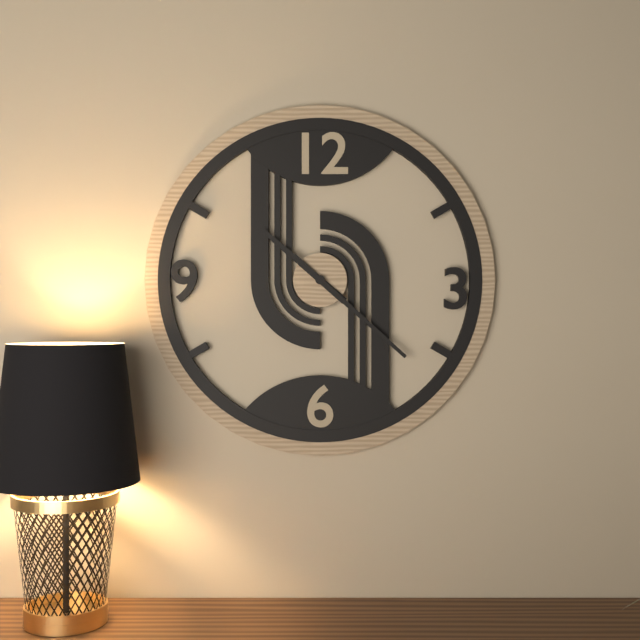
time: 10:22
